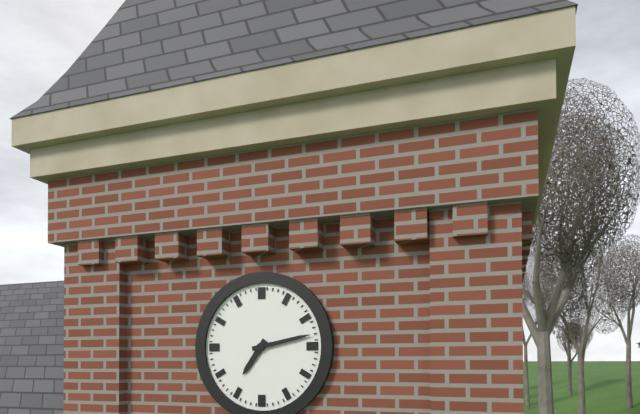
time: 7:13
